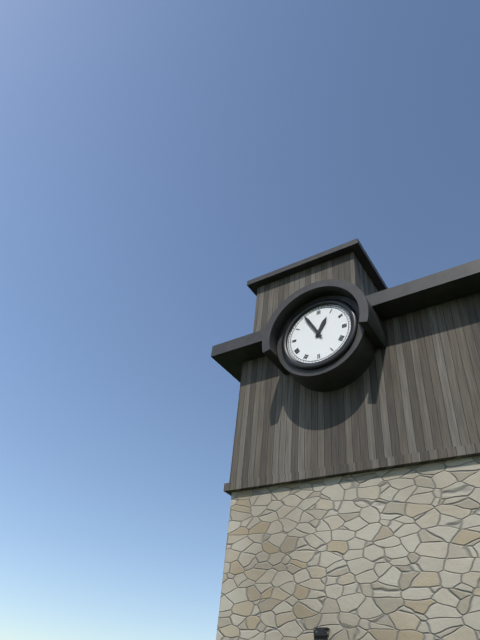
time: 12:55
